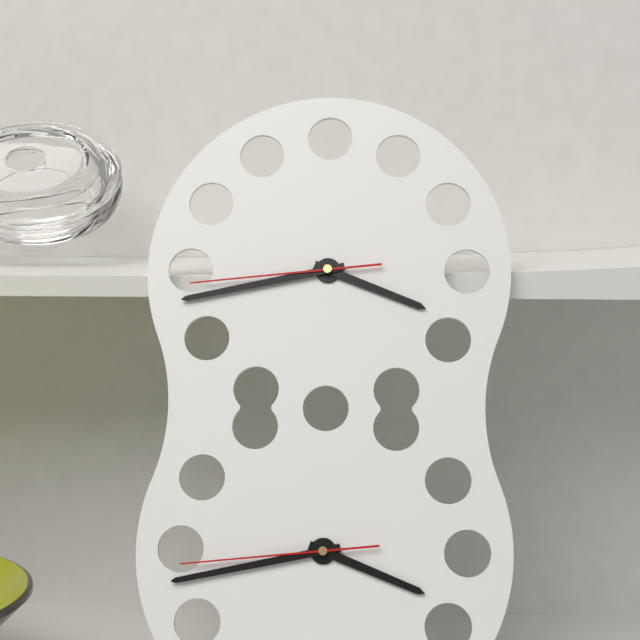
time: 3:43:44
